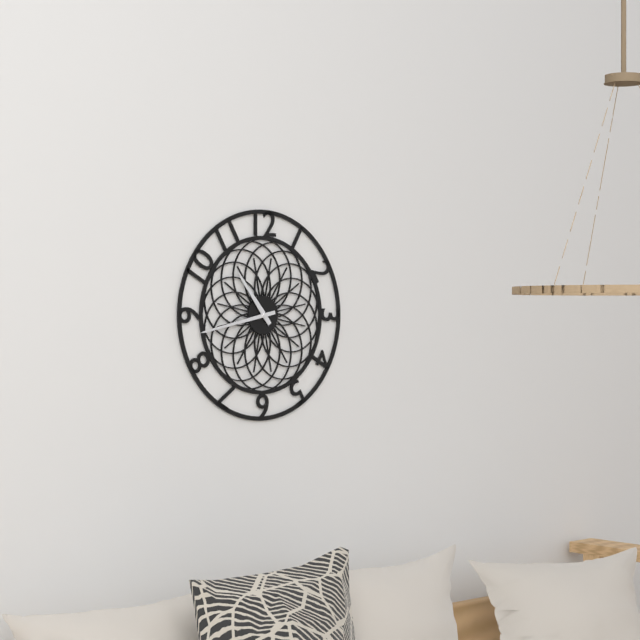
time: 10:43
